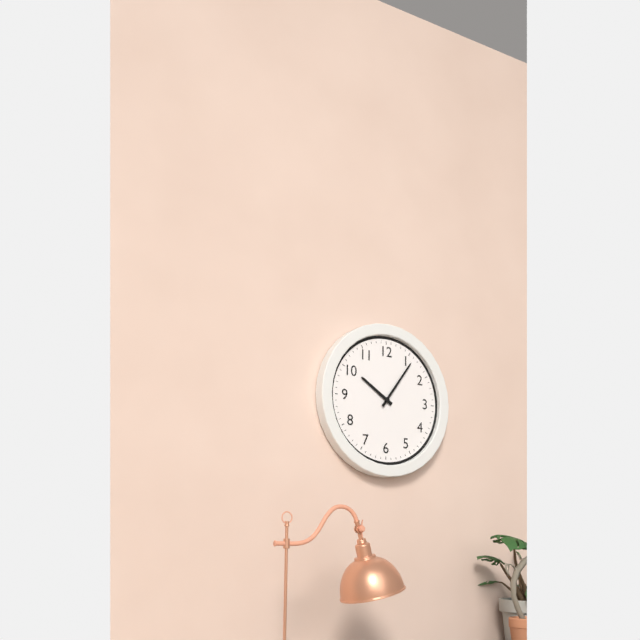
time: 10:06
